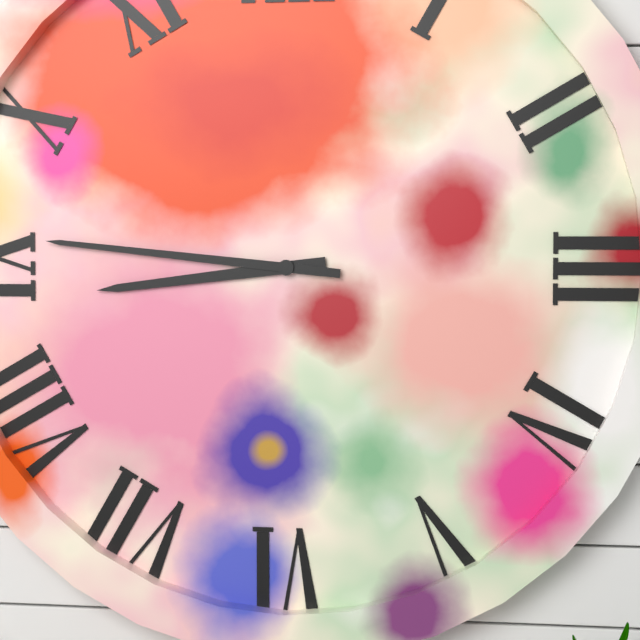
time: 8:46
